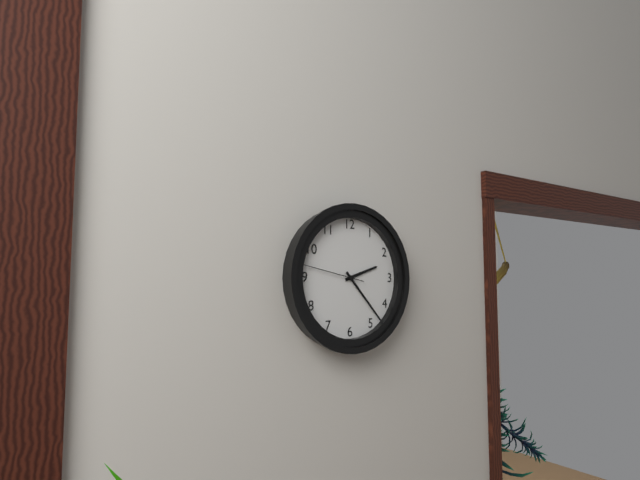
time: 2:23:47
